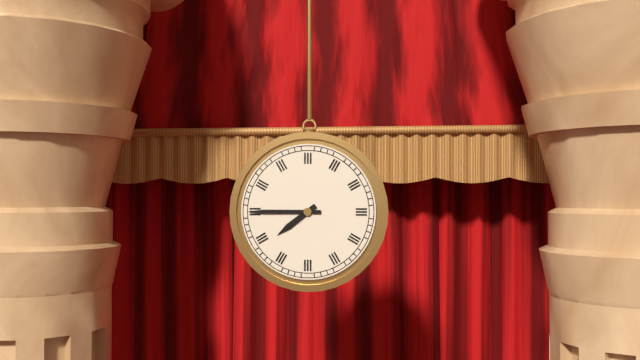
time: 7:45
